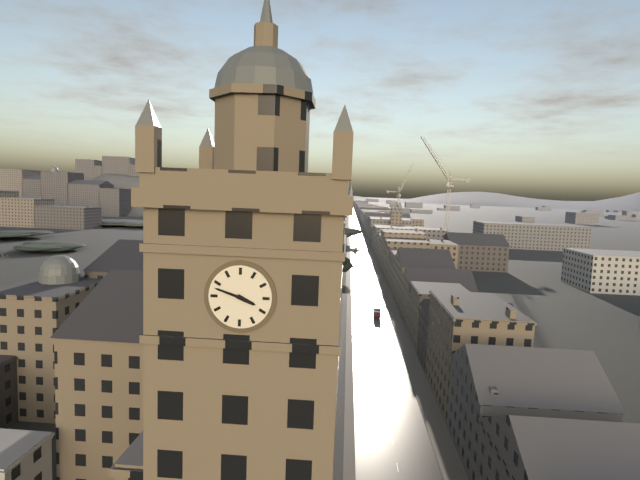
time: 3:48
